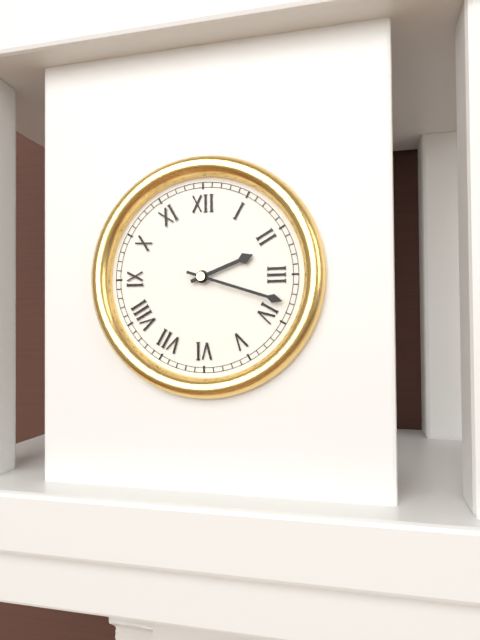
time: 2:18
